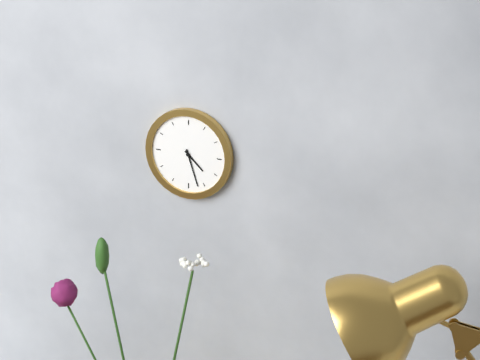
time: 4:27
